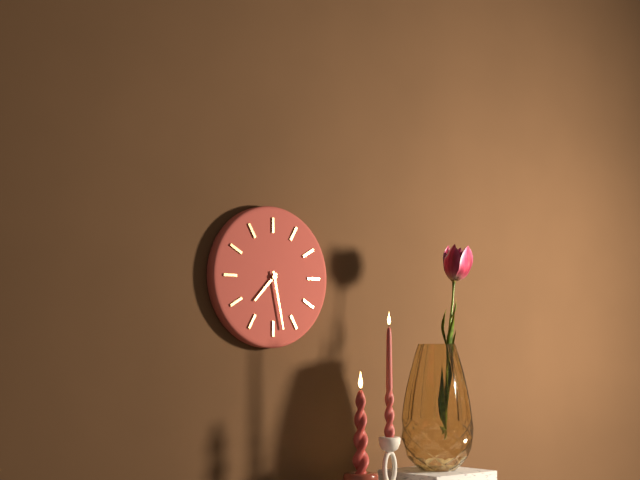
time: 7:28
